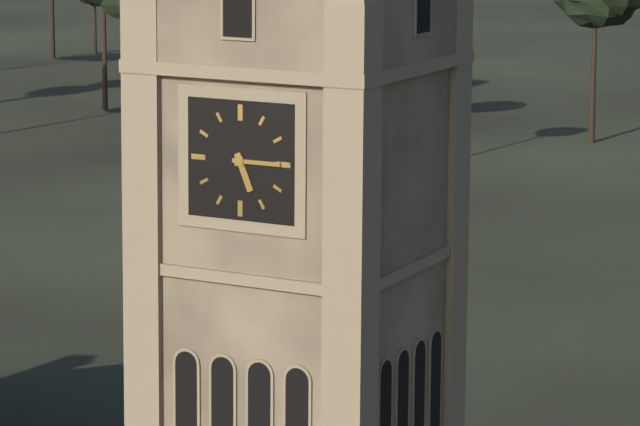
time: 5:15
